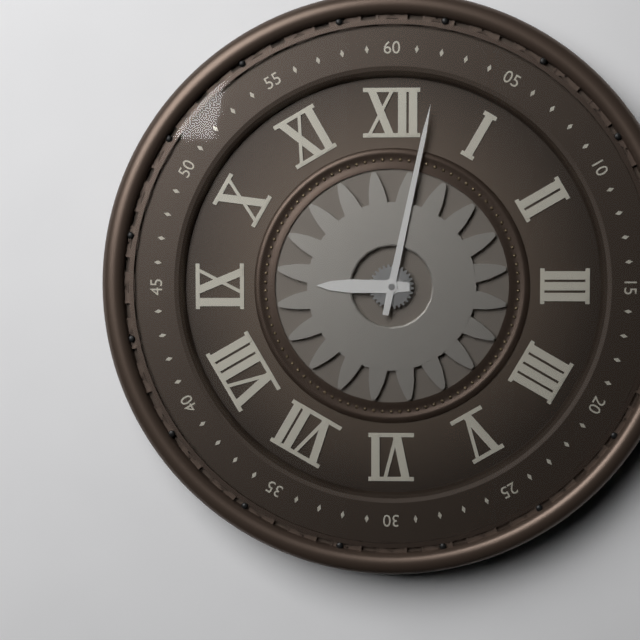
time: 9:02
